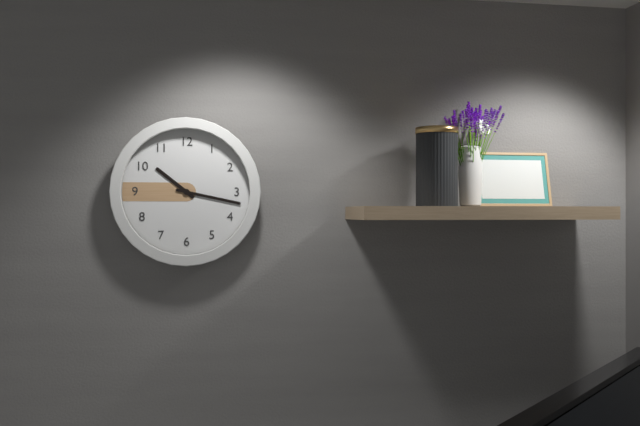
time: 10:17
